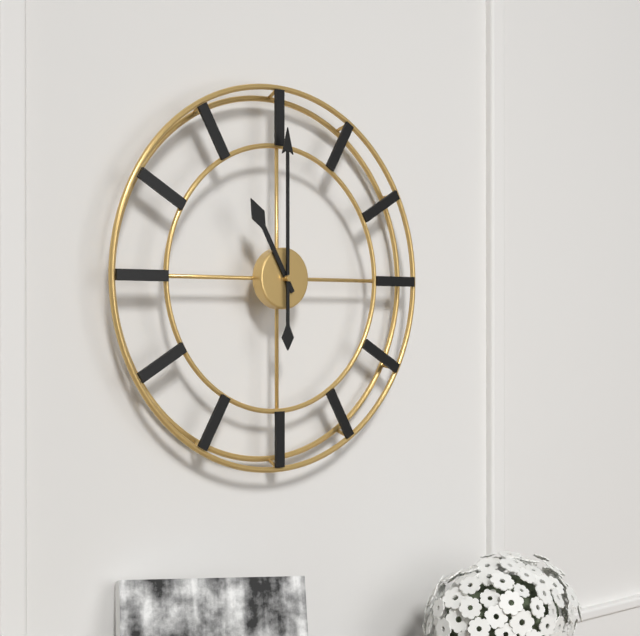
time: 11:00
